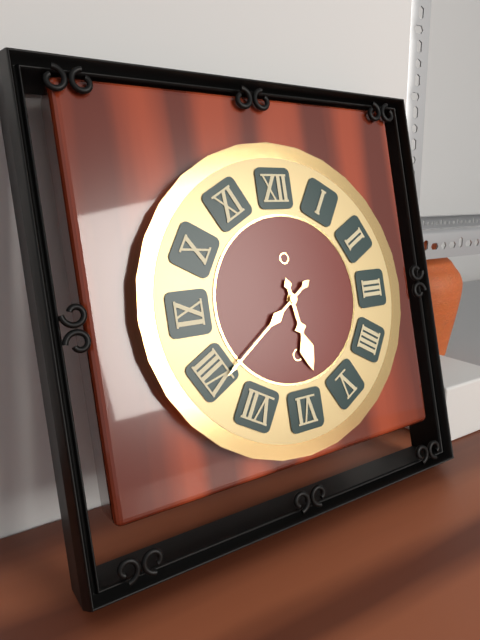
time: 5:39
